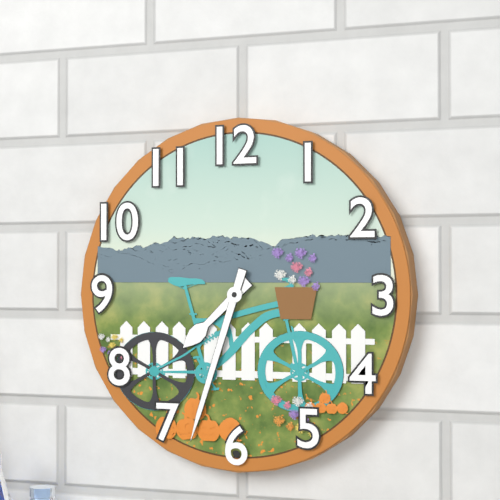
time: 7:33
